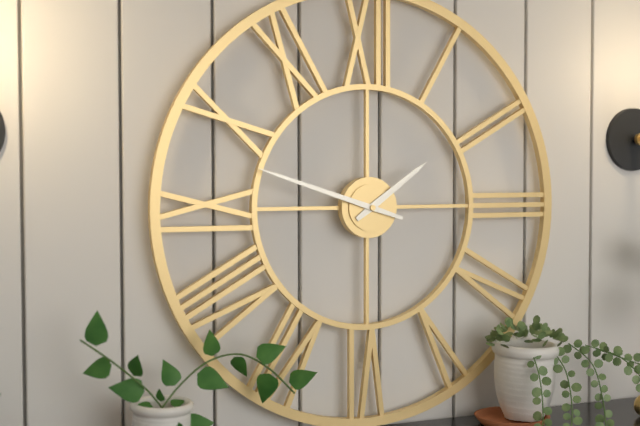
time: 1:48
